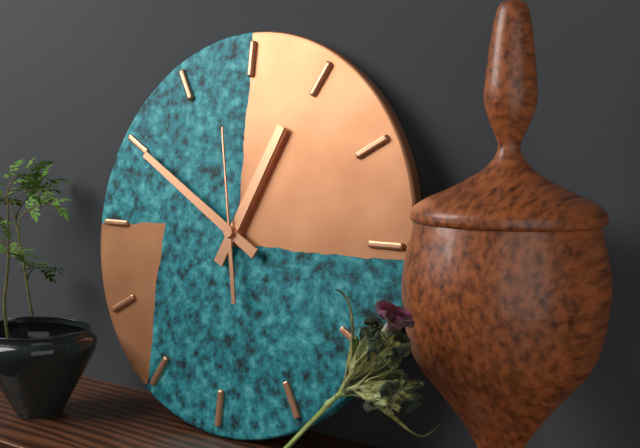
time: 12:50:58
